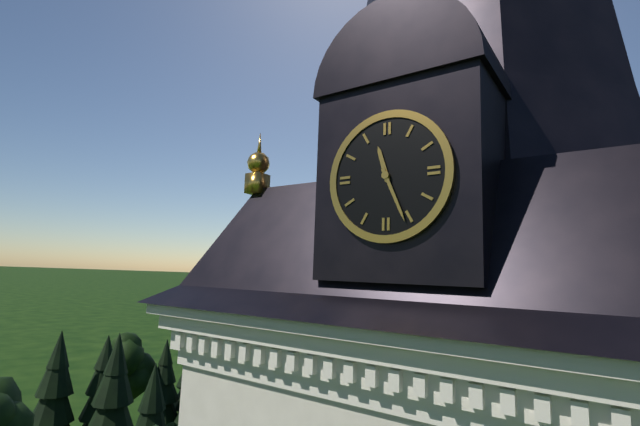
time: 11:26
